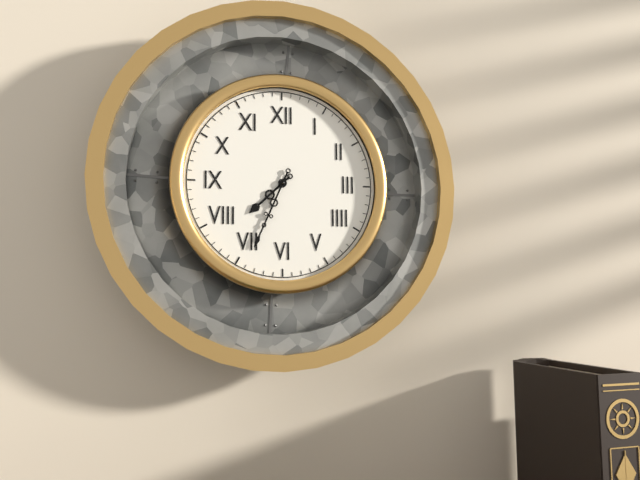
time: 7:34
